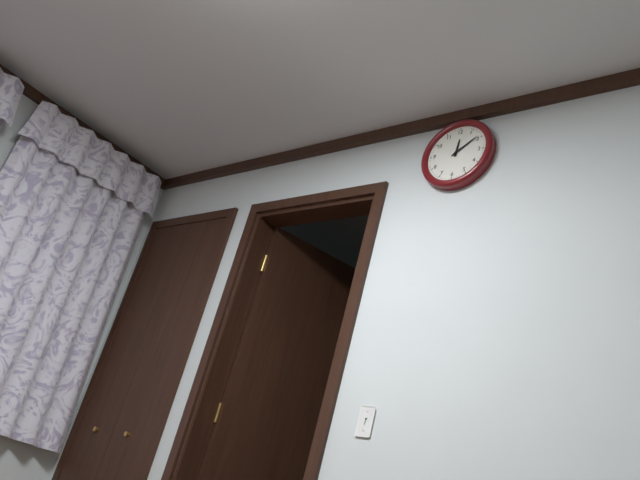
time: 12:09
